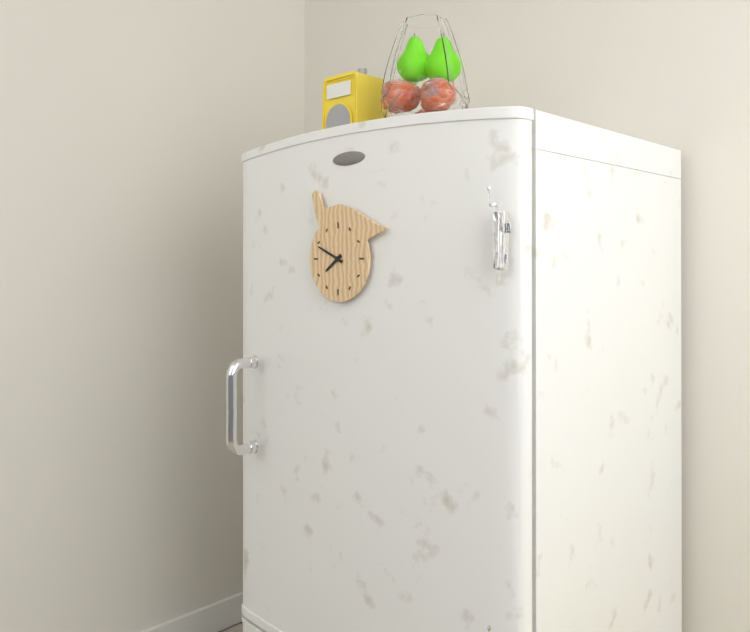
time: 7:49
